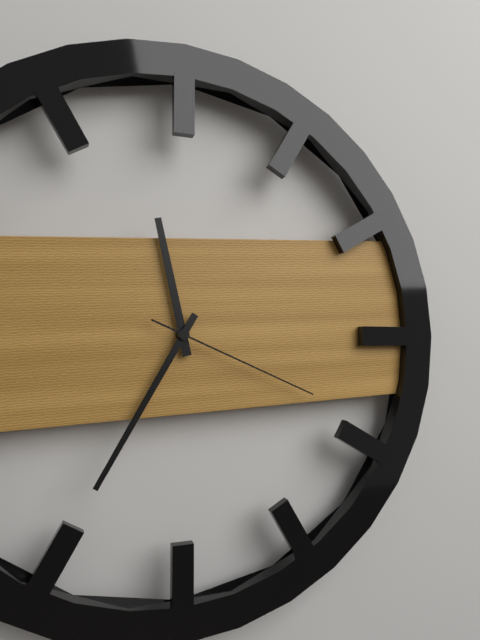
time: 11:35:19
